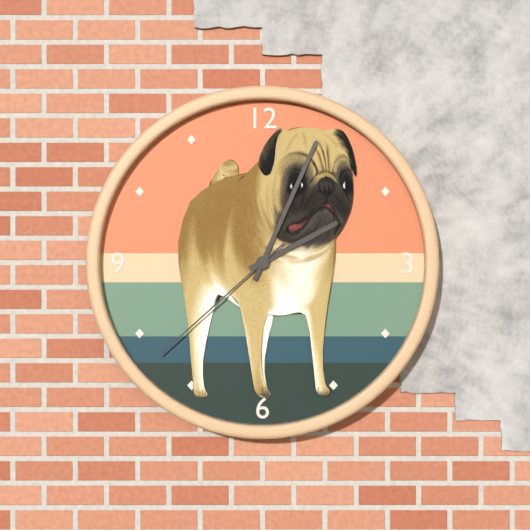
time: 2:04:38
